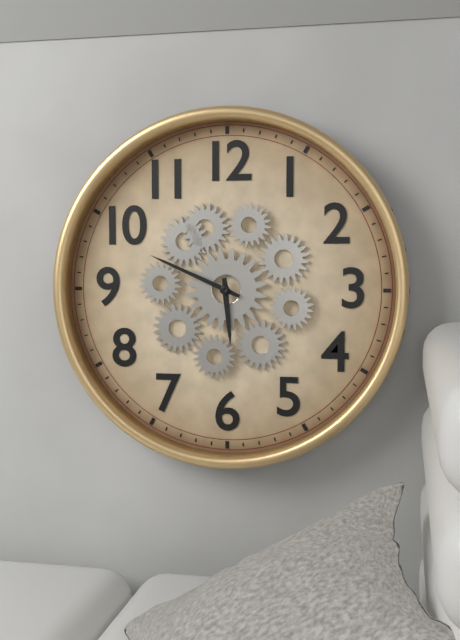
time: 5:49
